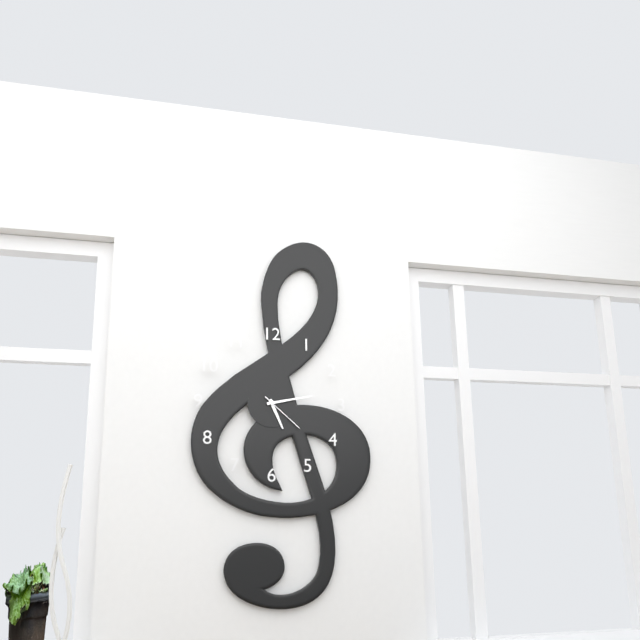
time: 5:13
